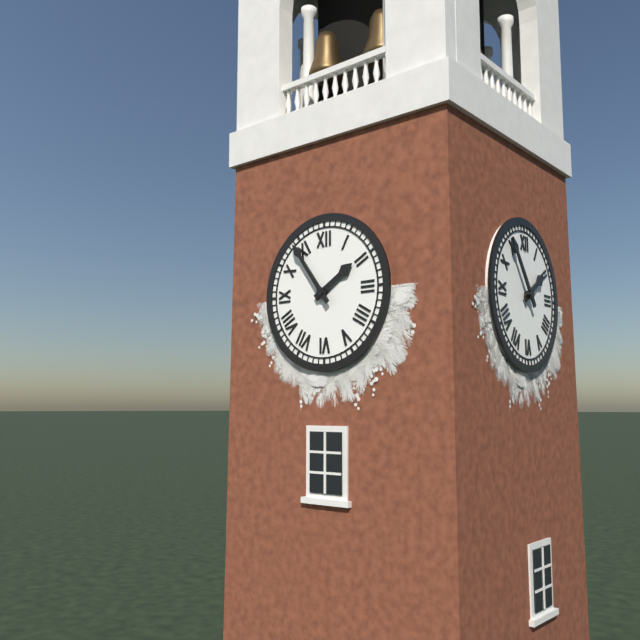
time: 1:54
